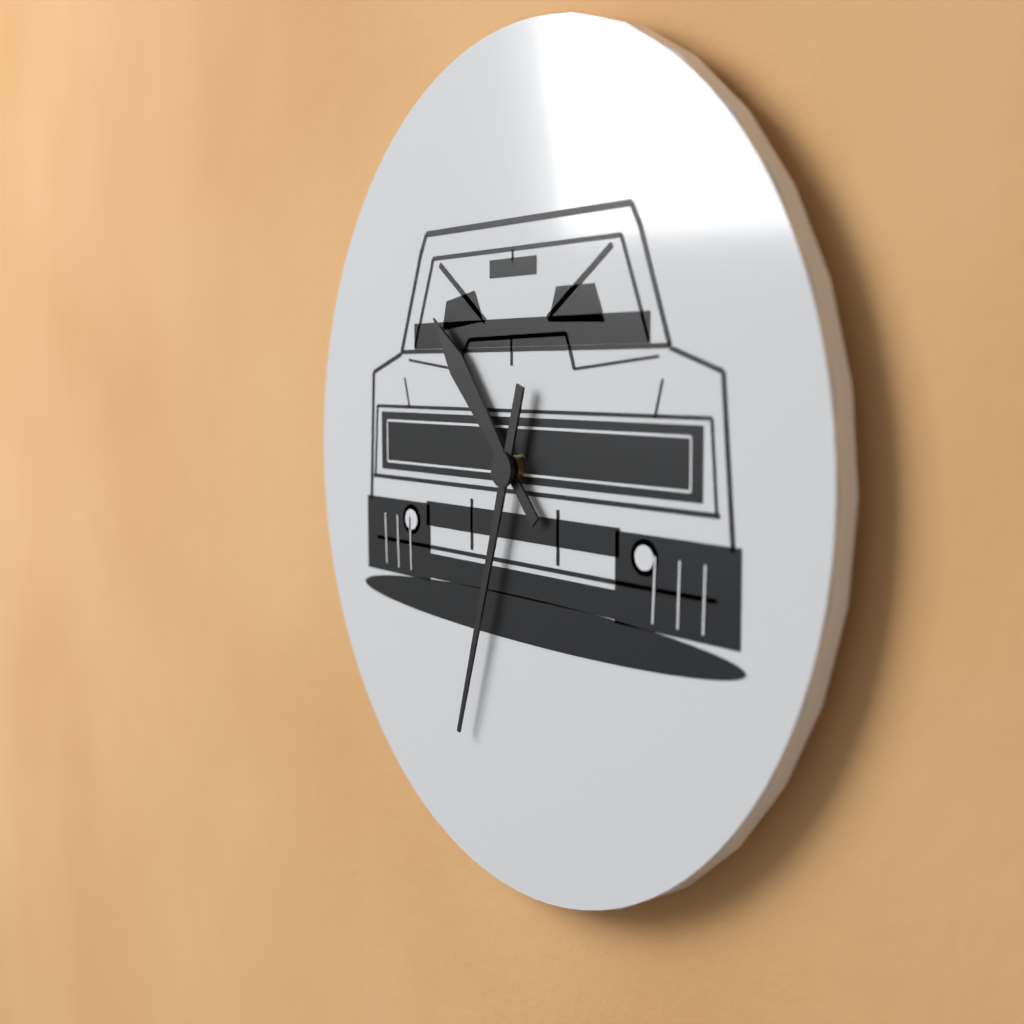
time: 10:33
